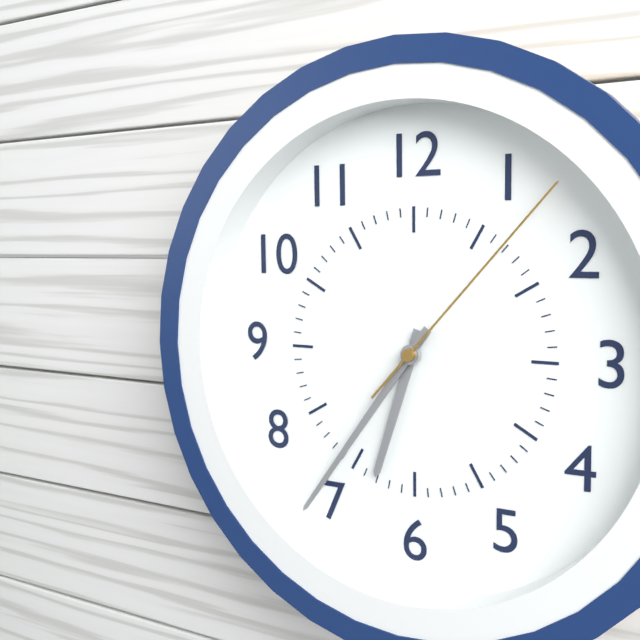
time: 6:36:07
